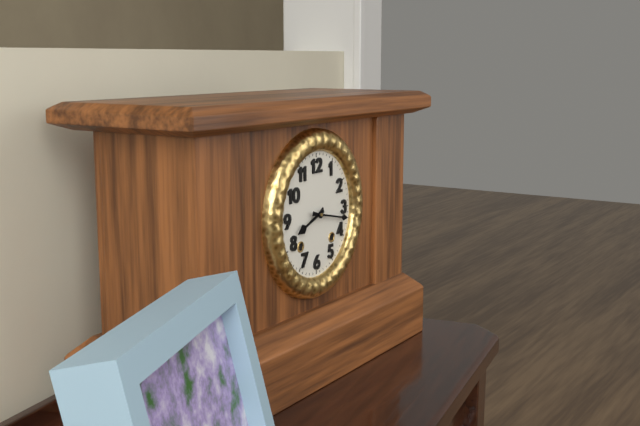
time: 8:17
